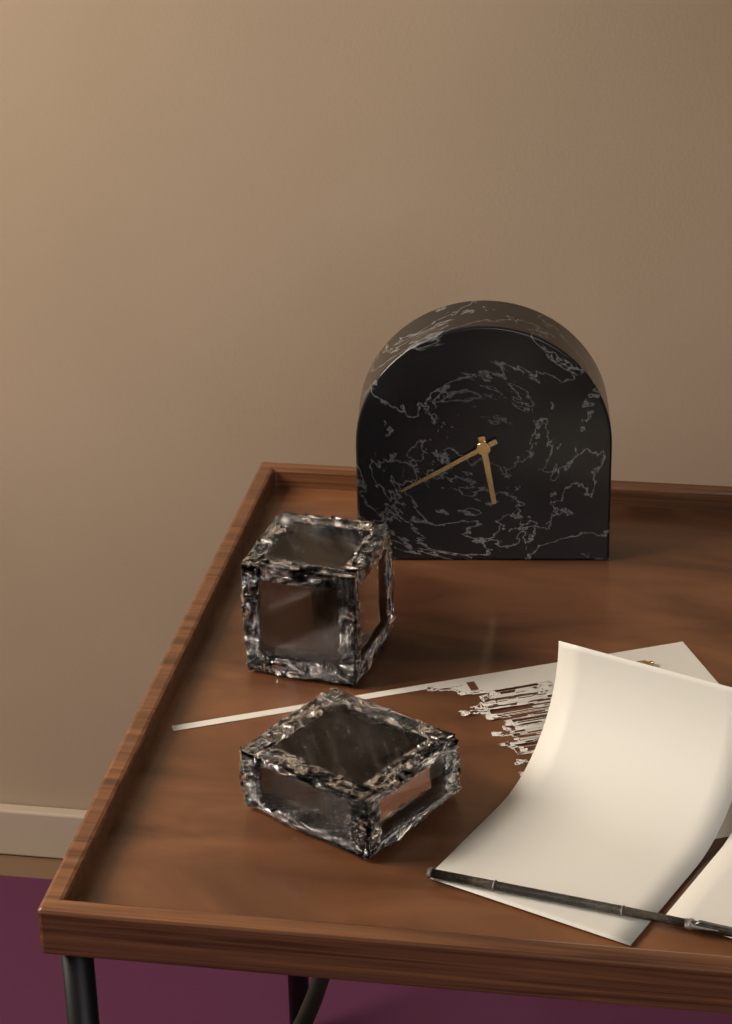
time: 5:40
